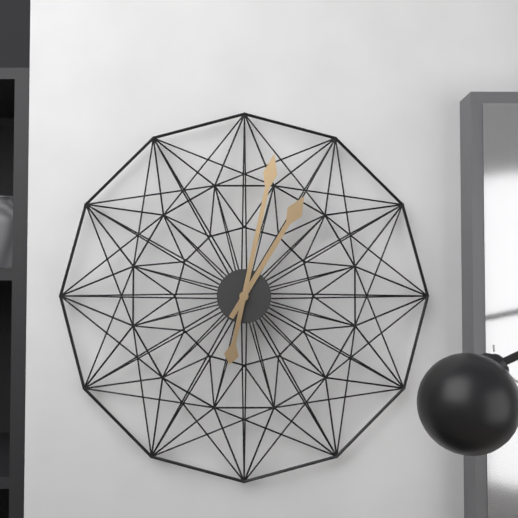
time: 1:02
